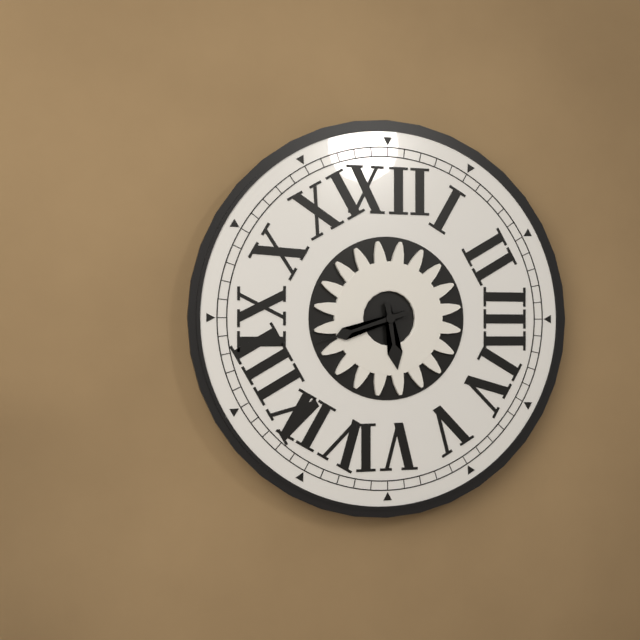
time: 5:42
